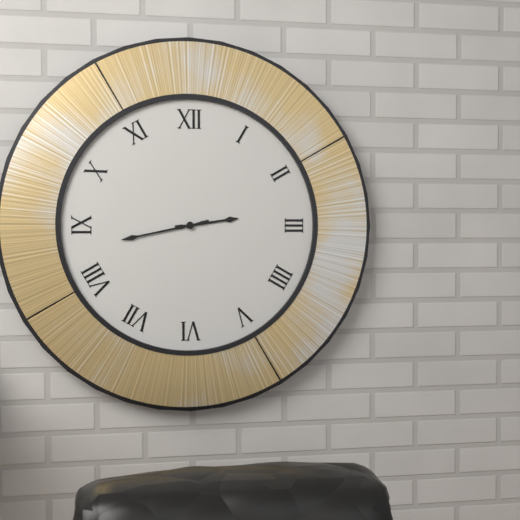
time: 2:43
